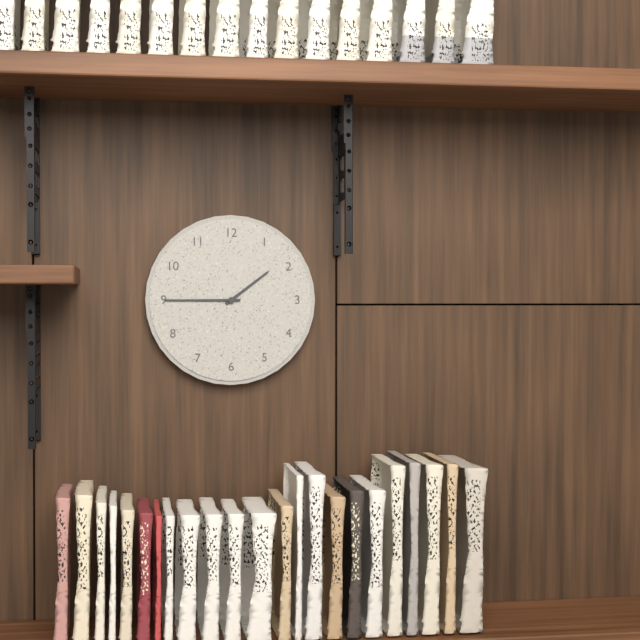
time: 1:45
